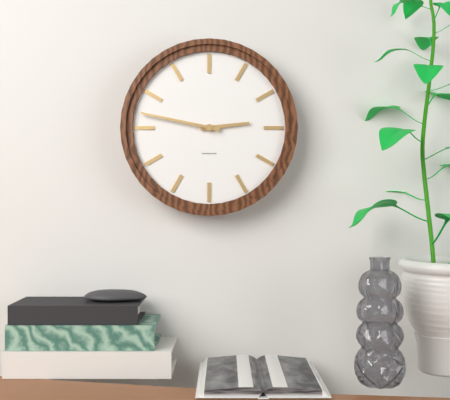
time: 2:47
